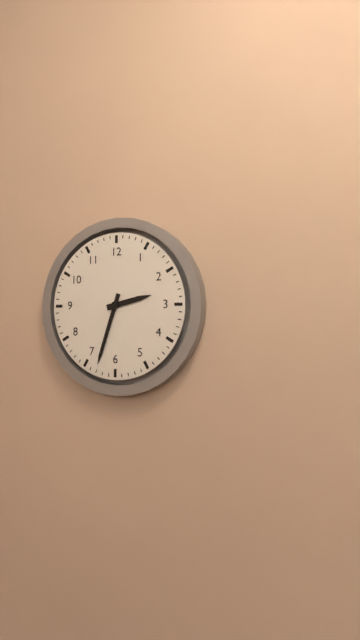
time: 2:33
